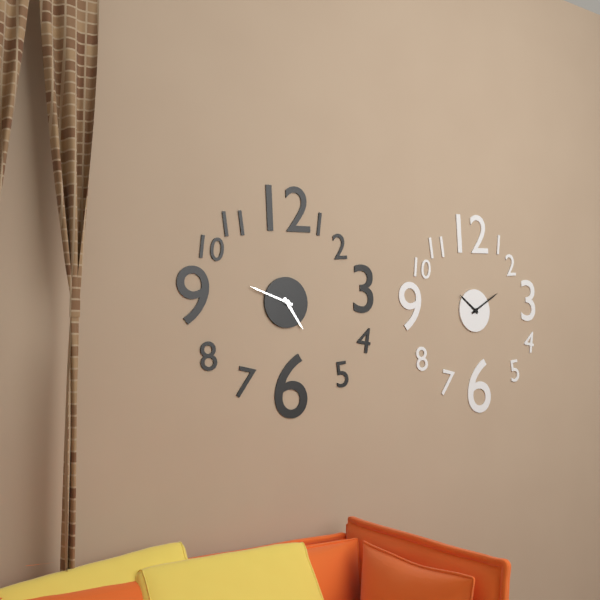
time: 4:48
